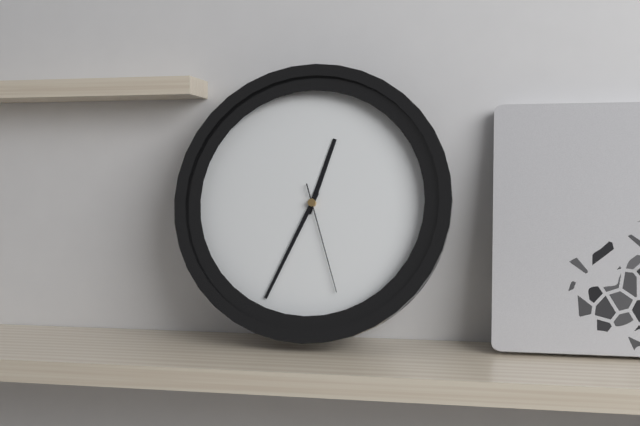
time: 12:34:27
